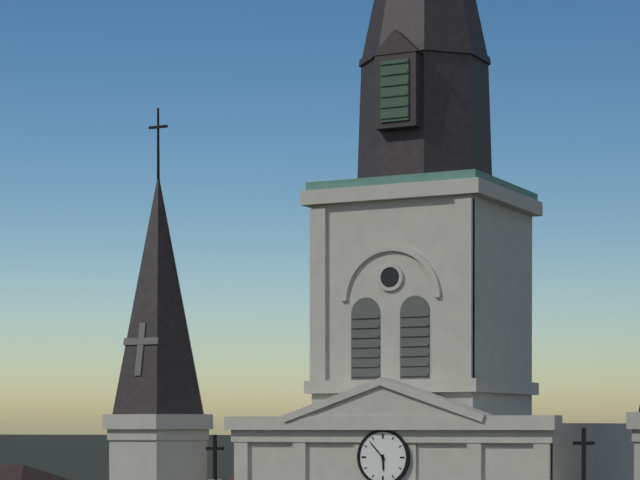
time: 5:53
